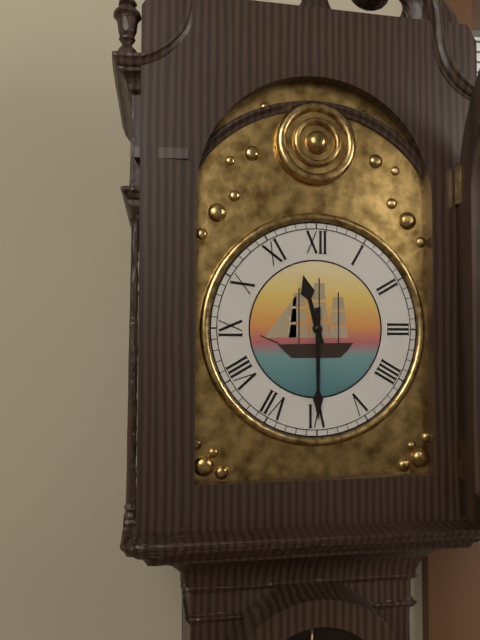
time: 11:30
